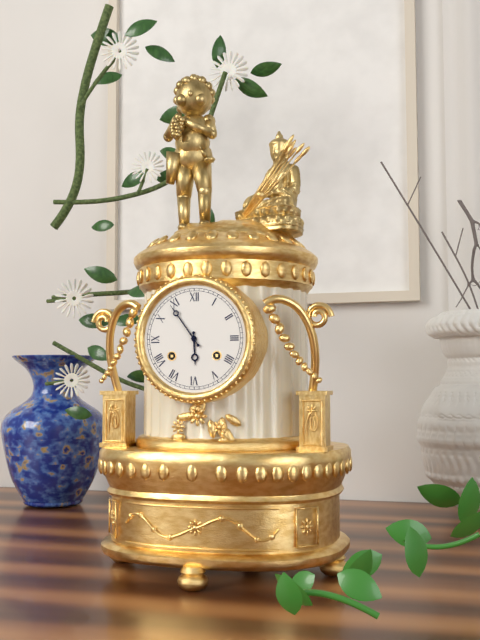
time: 5:54
